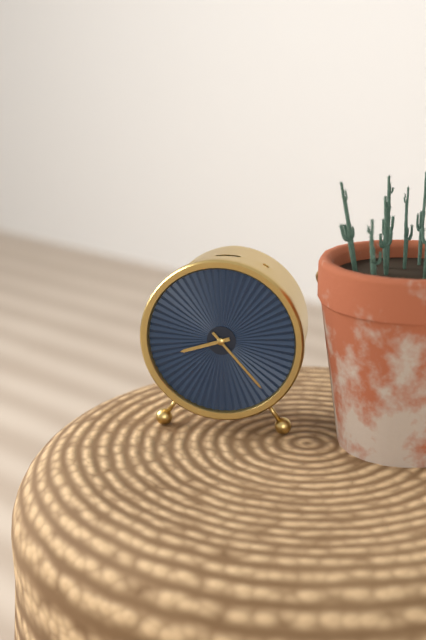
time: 8:23
